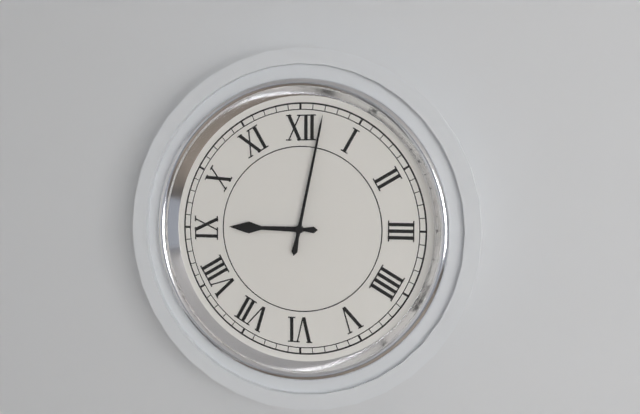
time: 9:02
